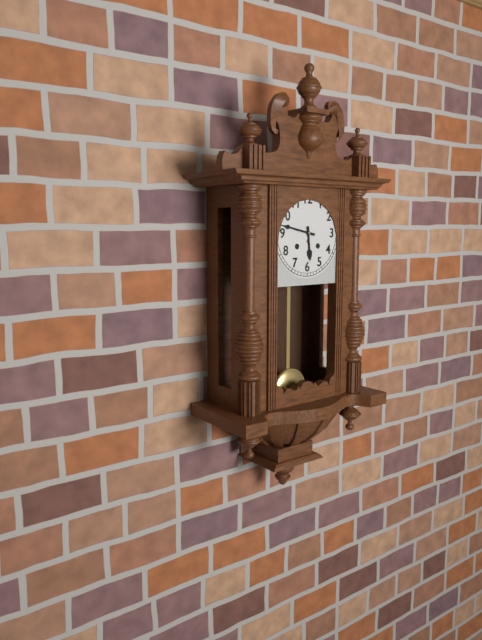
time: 5:47
